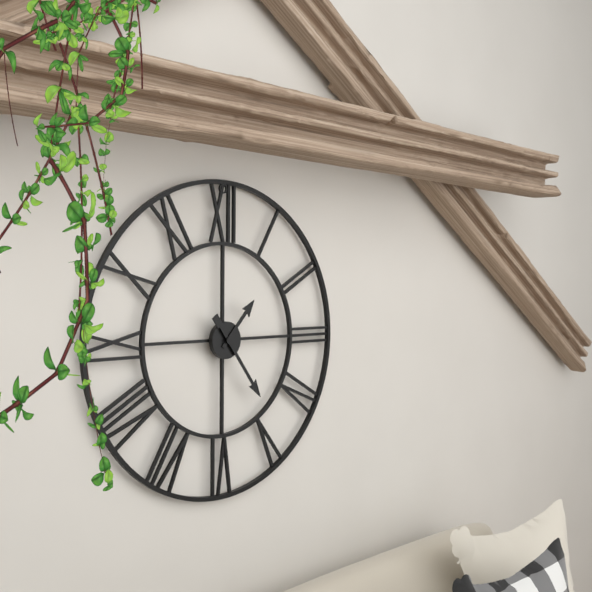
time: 1:24
